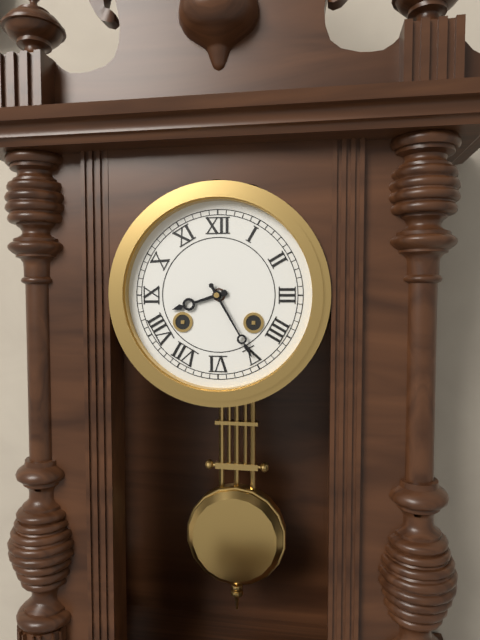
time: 8:25
